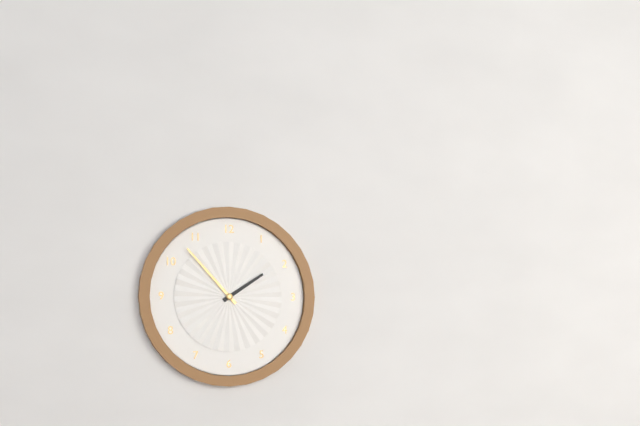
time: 1:53
